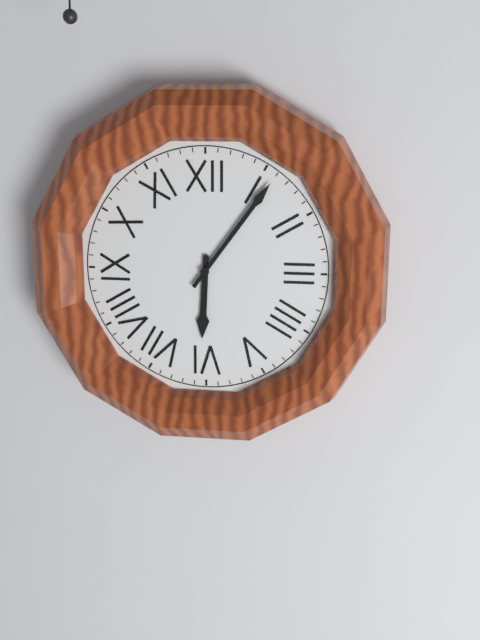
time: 6:06
